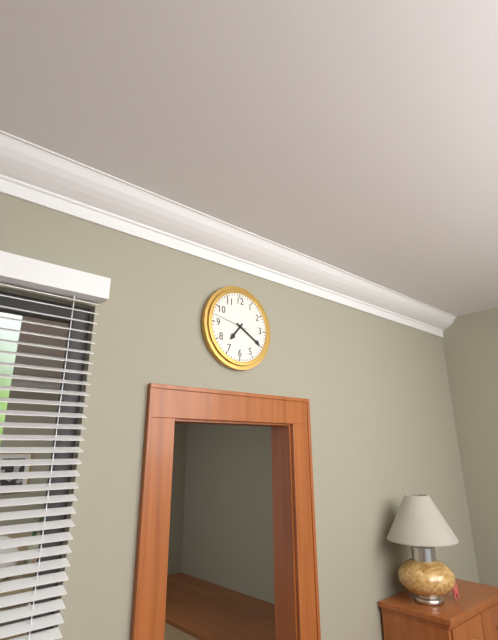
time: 7:20
